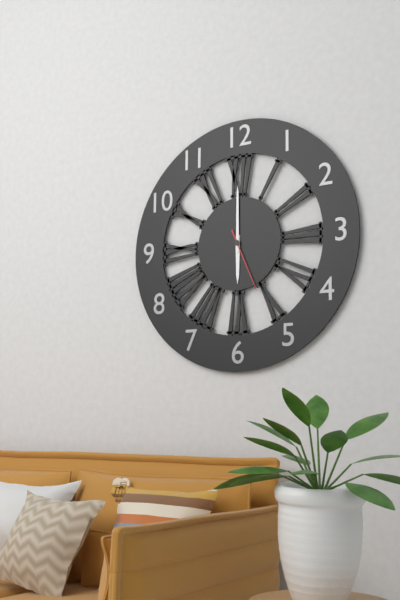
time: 6:00:26
